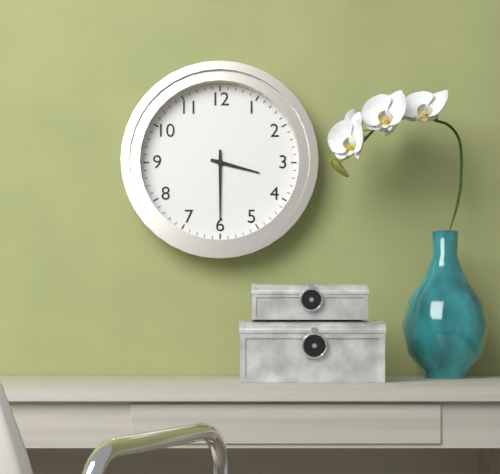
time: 3:30
